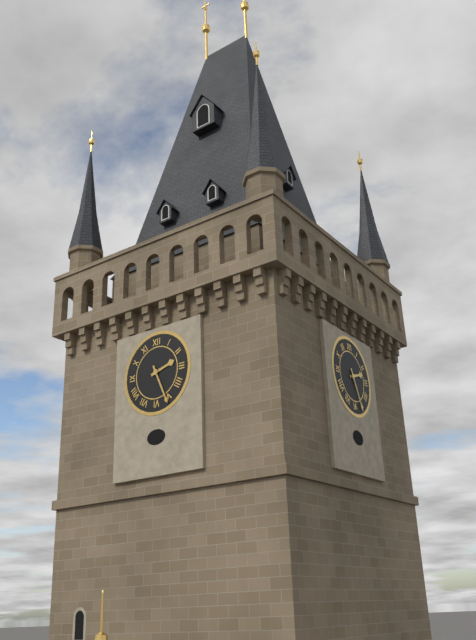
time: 2:26
